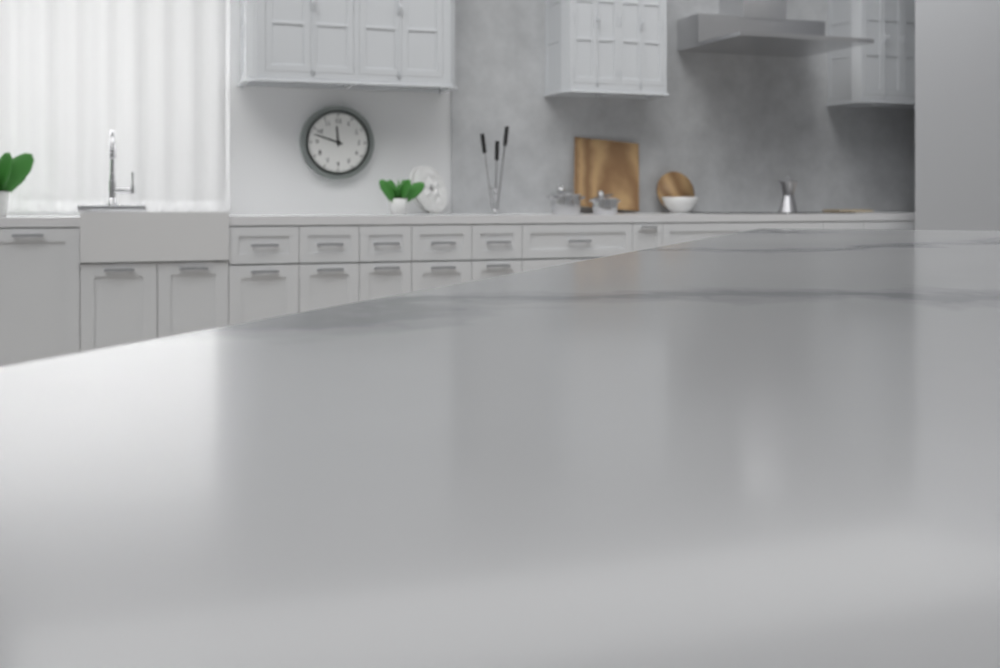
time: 11:48
